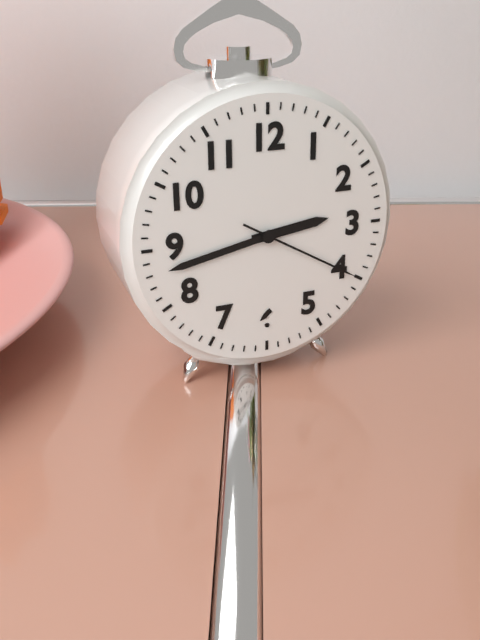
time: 2:43:20
